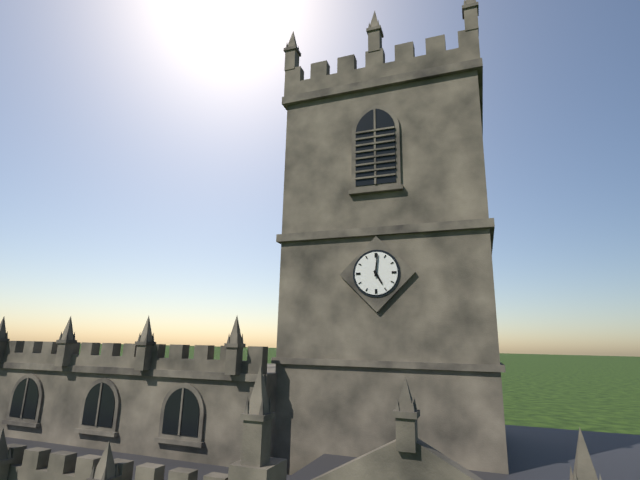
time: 5:01
